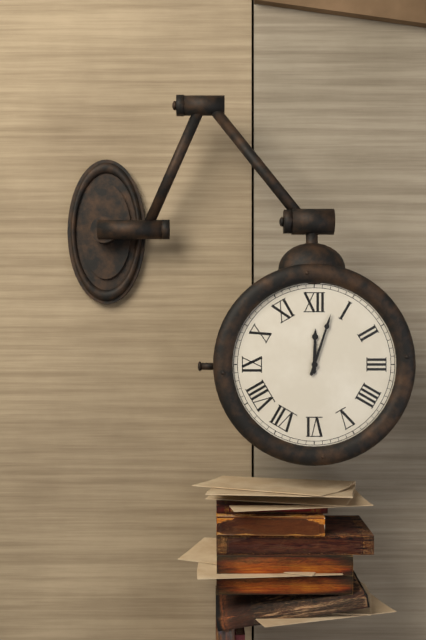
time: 12:03
